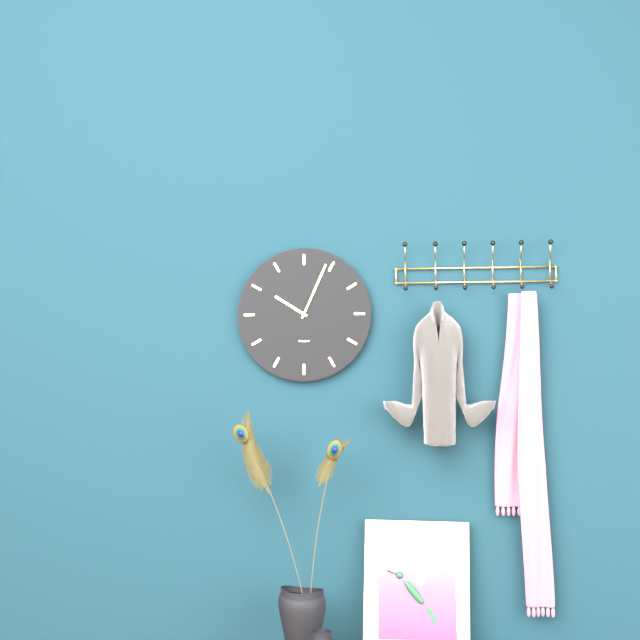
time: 10:04
